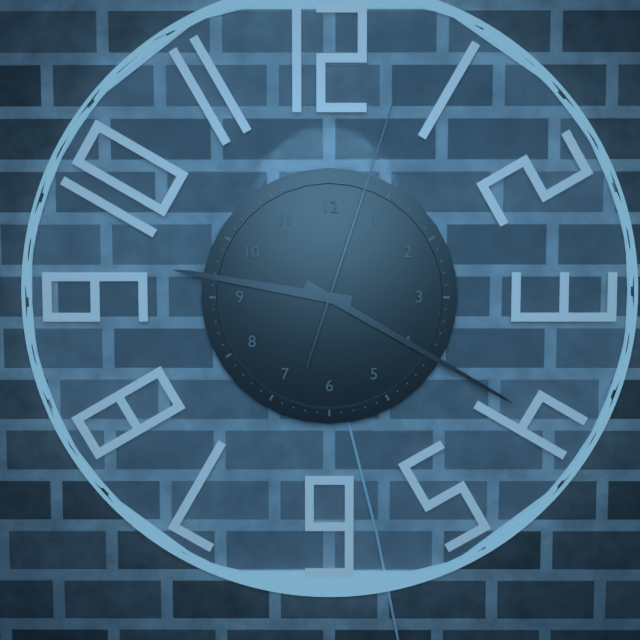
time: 9:20:03
